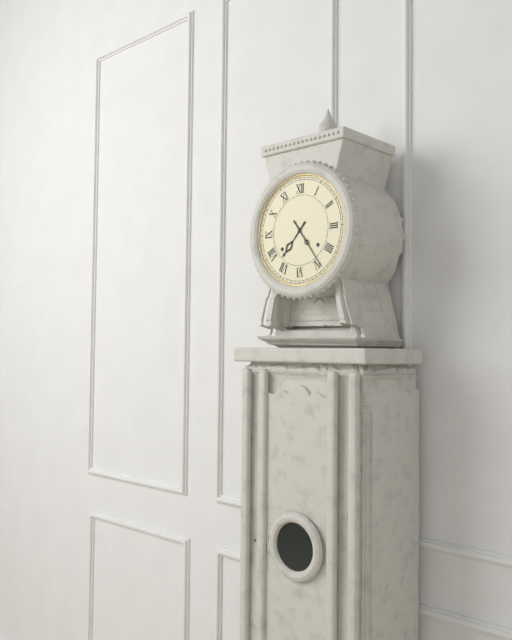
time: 7:24
